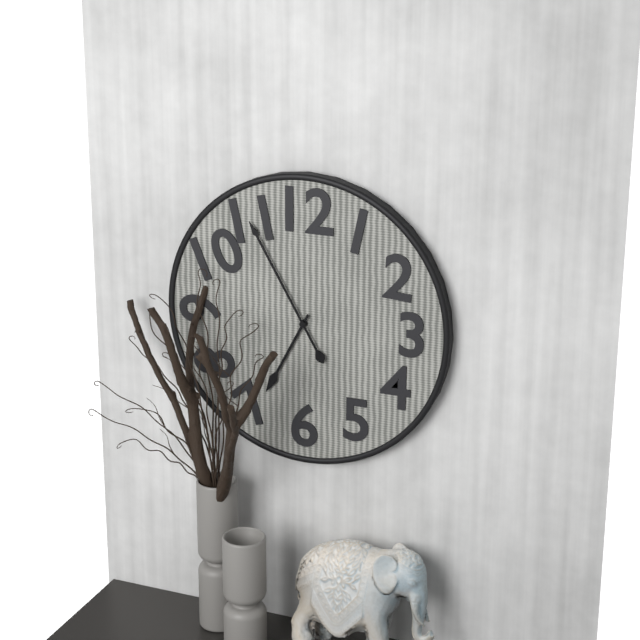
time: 6:55
